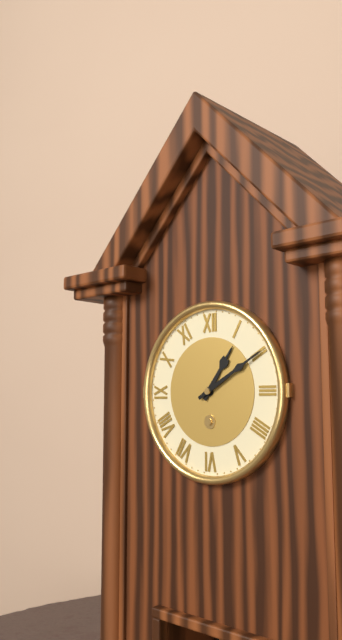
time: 1:10
